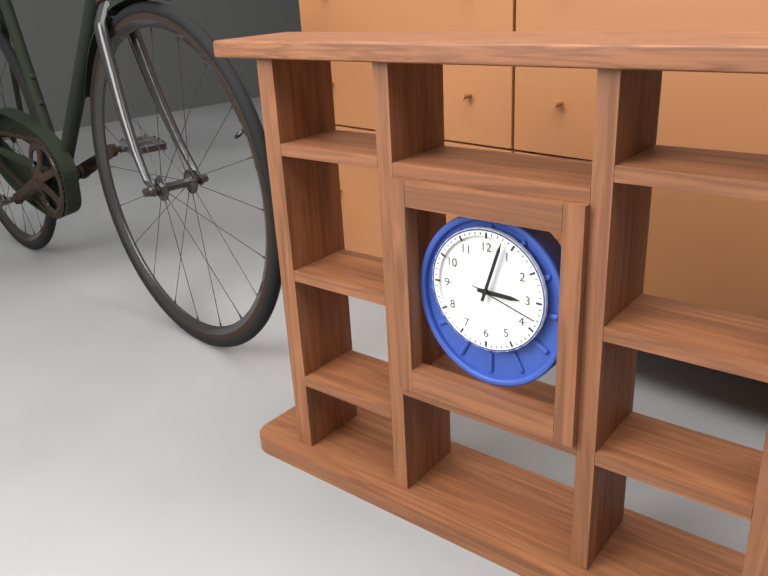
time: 3:03:18
